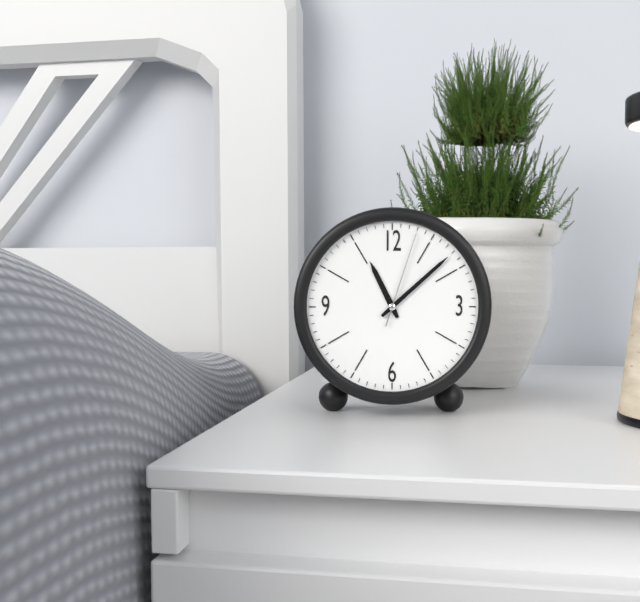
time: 11:08:03
